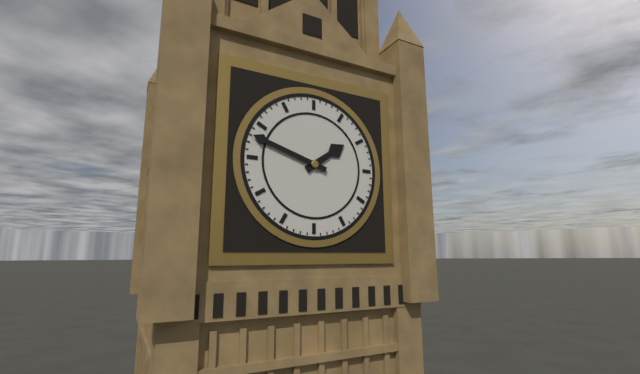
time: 1:48
